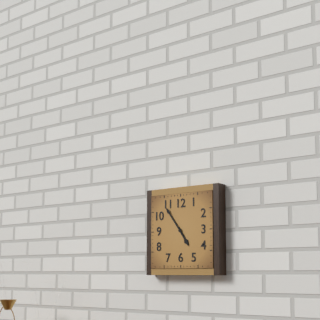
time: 4:54
